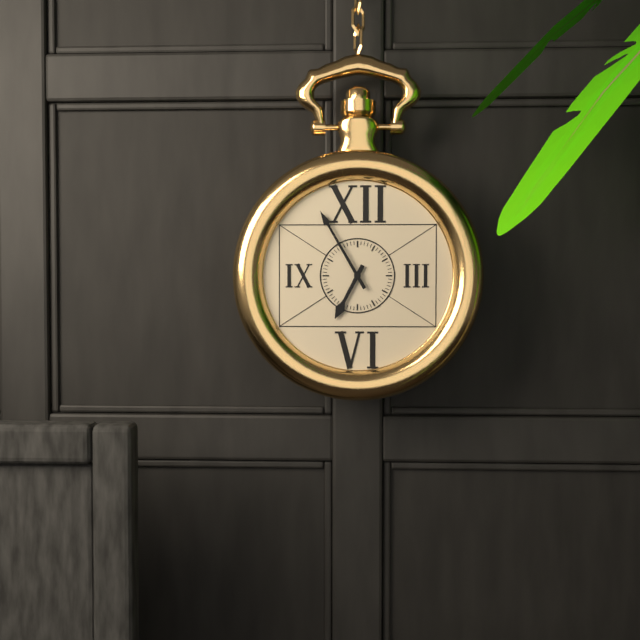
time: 6:55
